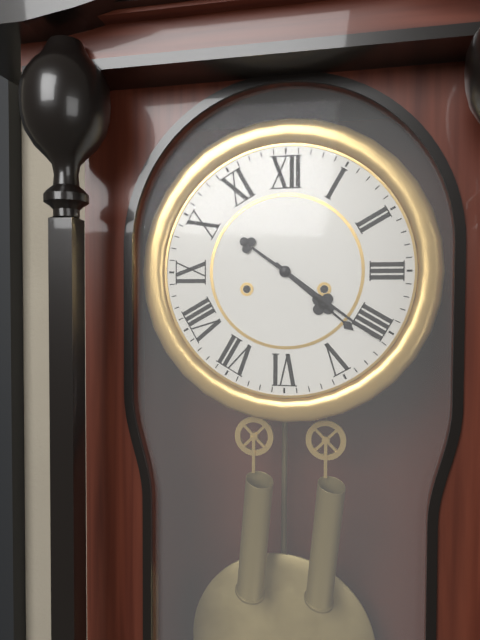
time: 4:21
